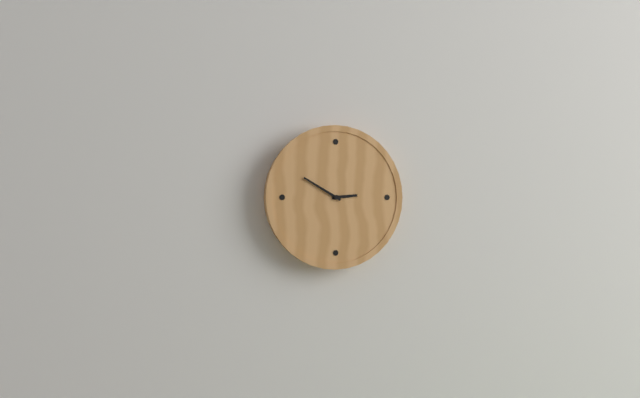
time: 2:50
